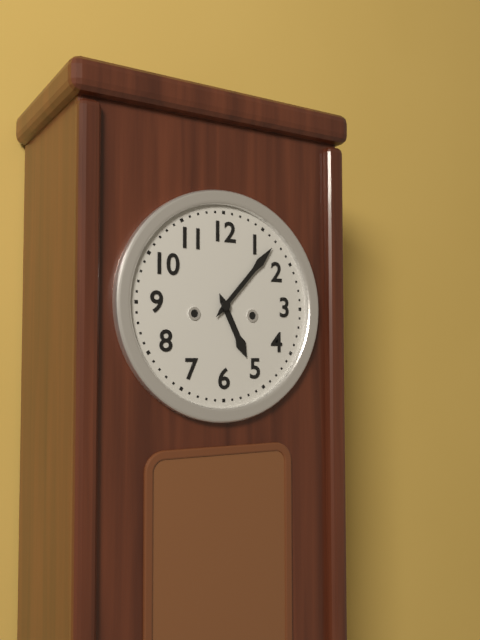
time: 5:07
